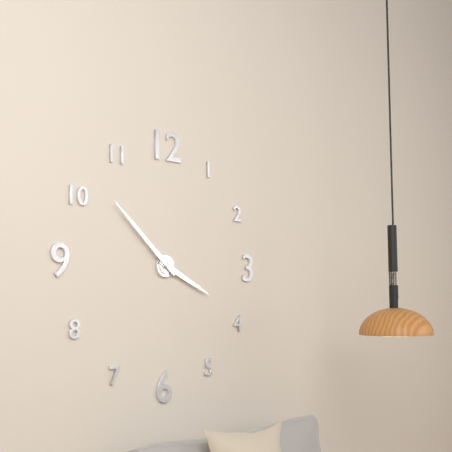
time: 3:52
